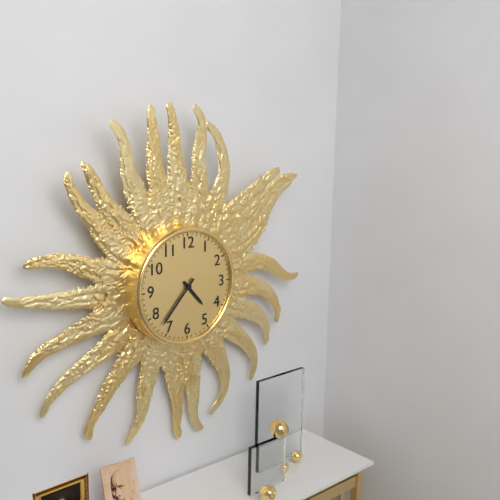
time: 4:37
